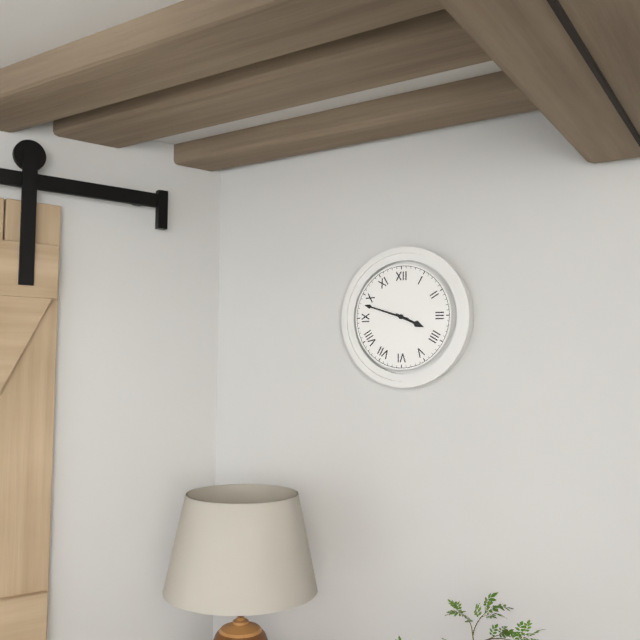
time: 3:48
